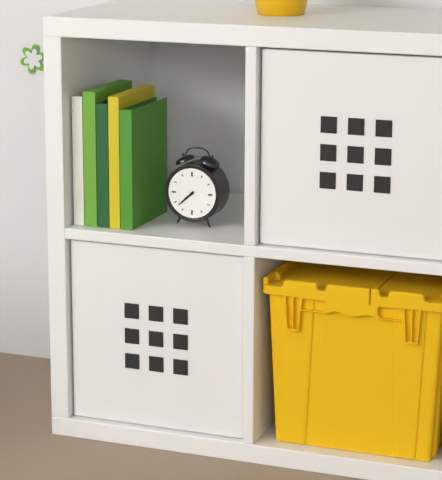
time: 7:38
